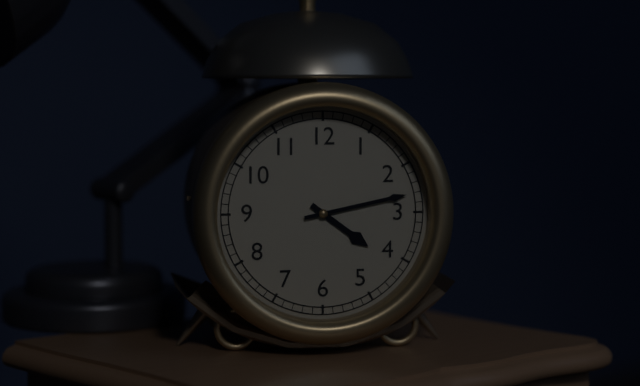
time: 4:13
